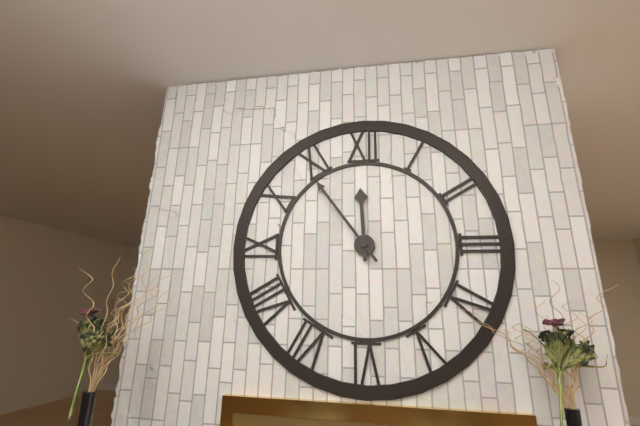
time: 11:54
